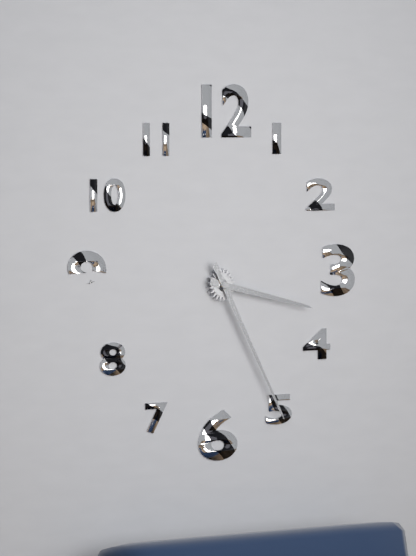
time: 3:25
